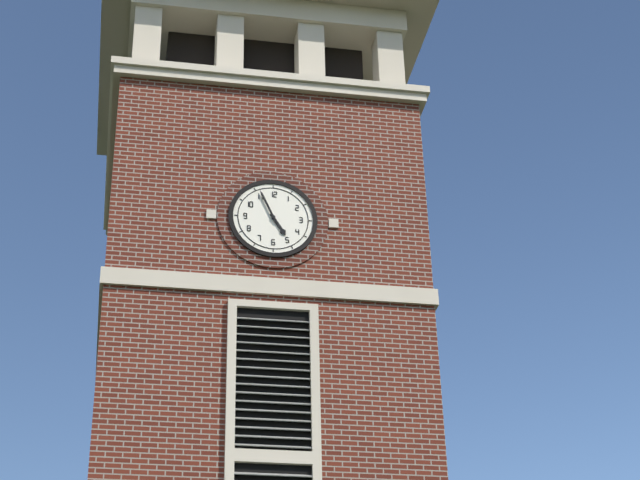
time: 4:56
